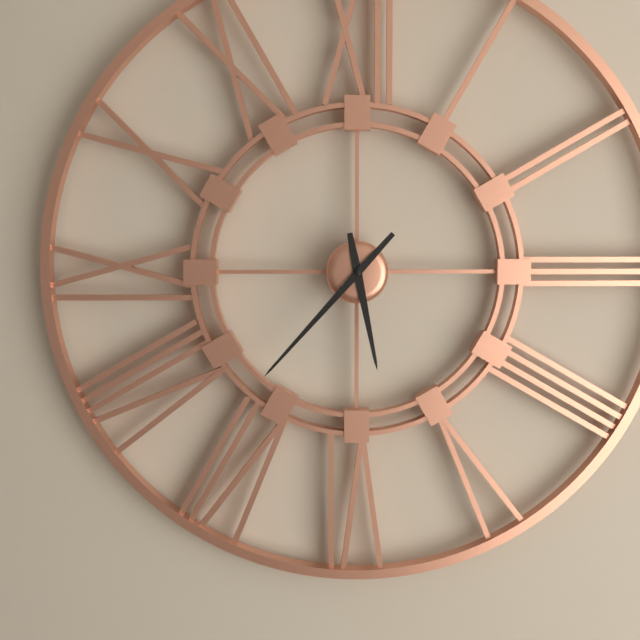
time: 5:37
